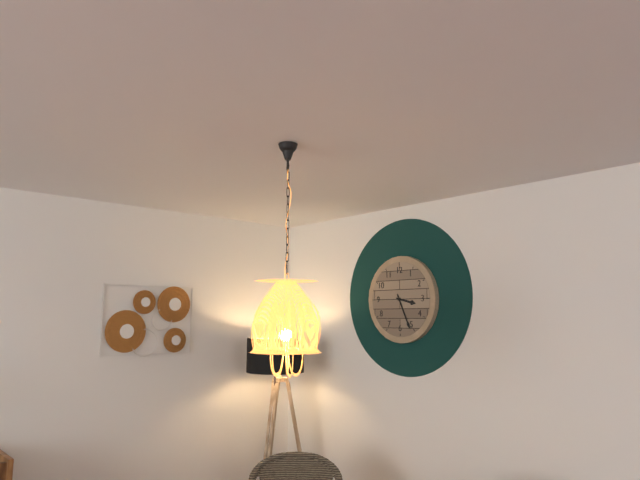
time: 3:26
